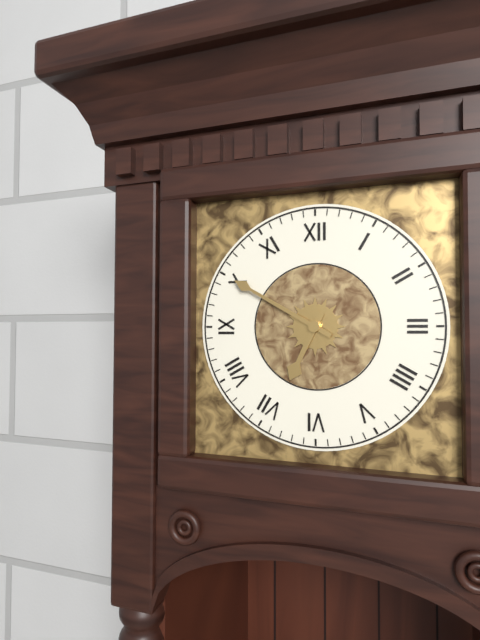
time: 6:50
